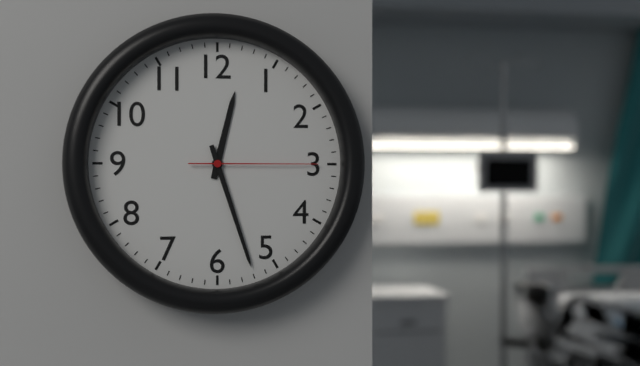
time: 12:27:15
